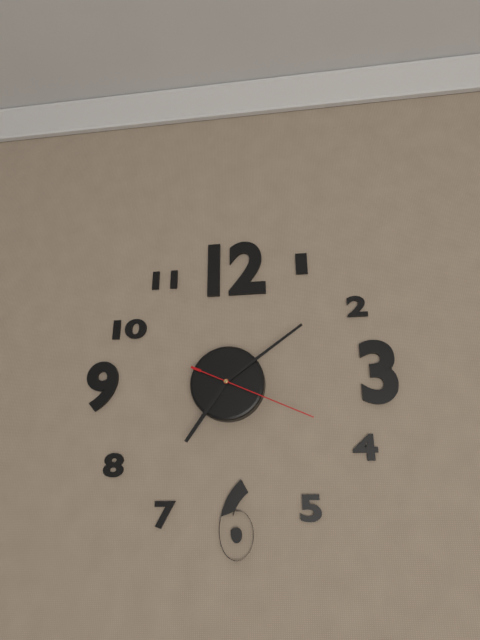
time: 7:09:19
